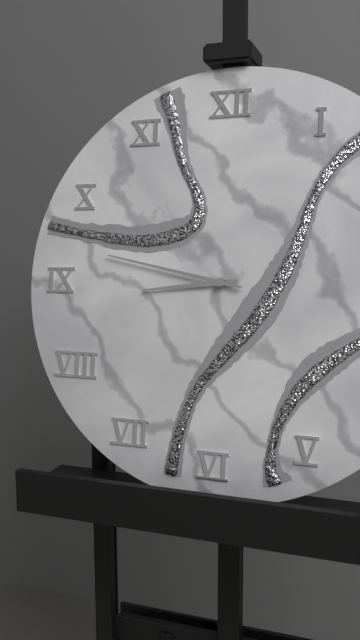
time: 8:47
